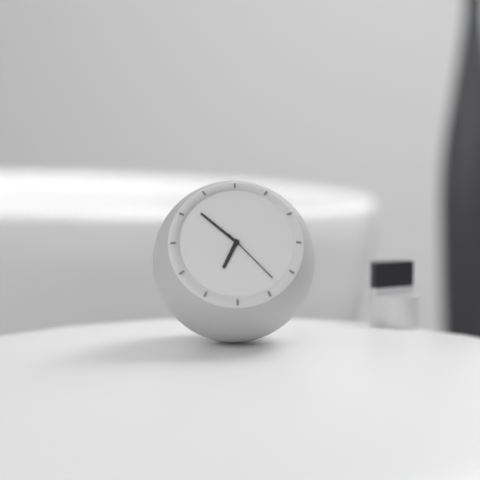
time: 6:52:23
